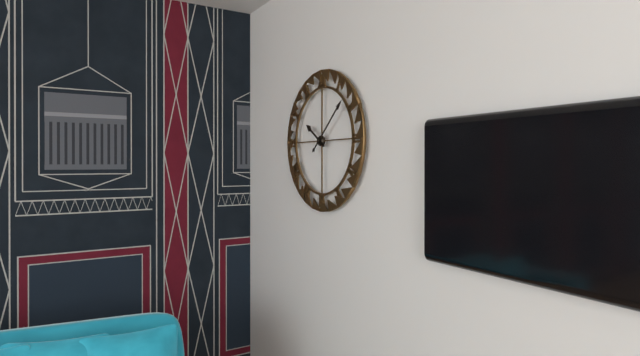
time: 10:08
